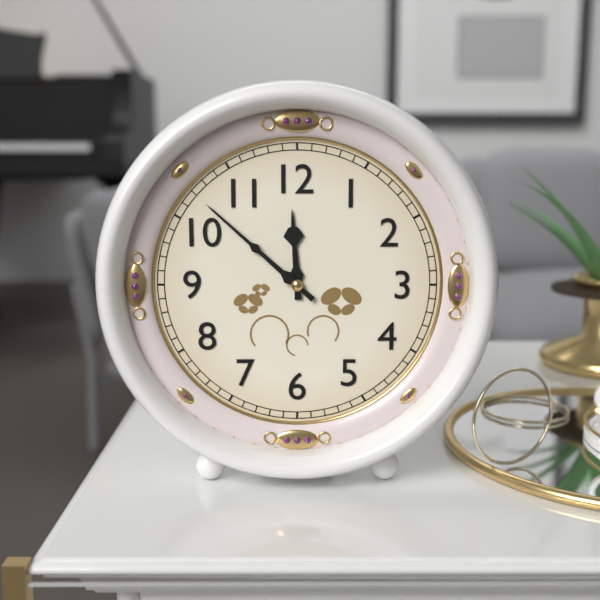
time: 11:52
